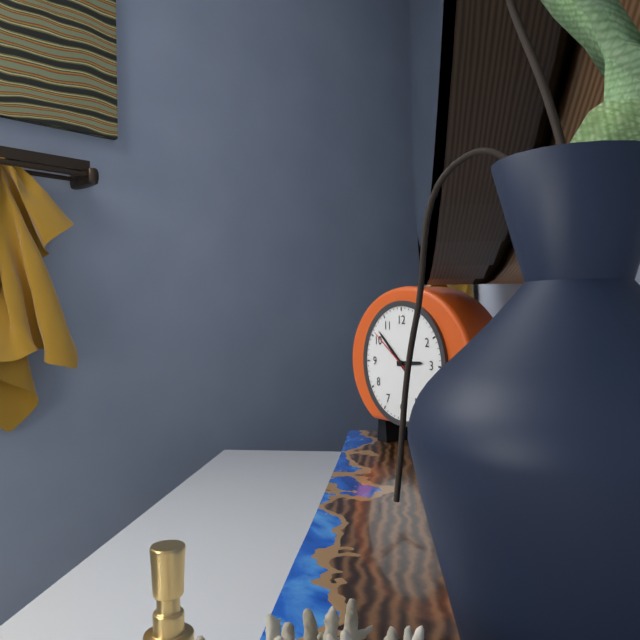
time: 2:52:51
